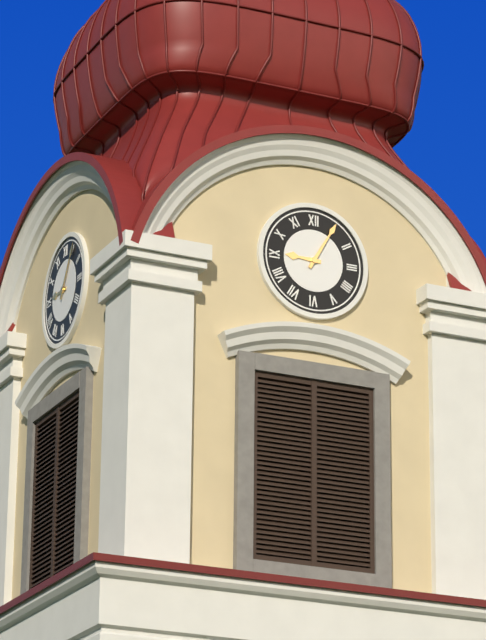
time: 9:05
